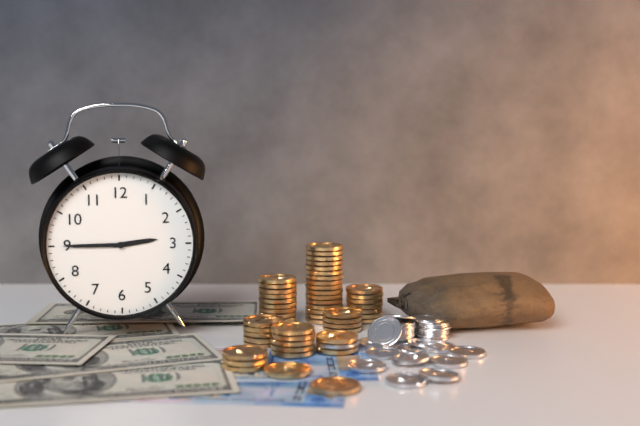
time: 2:45
